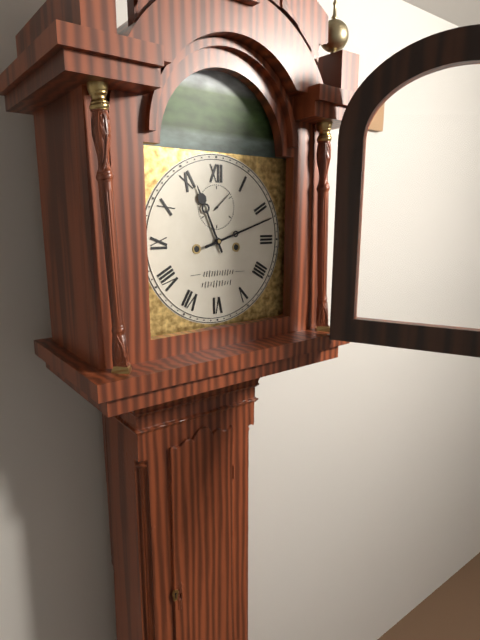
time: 11:12
